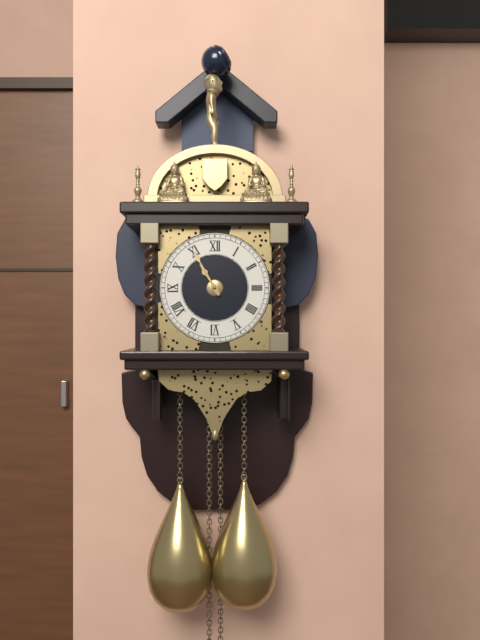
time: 10:55
